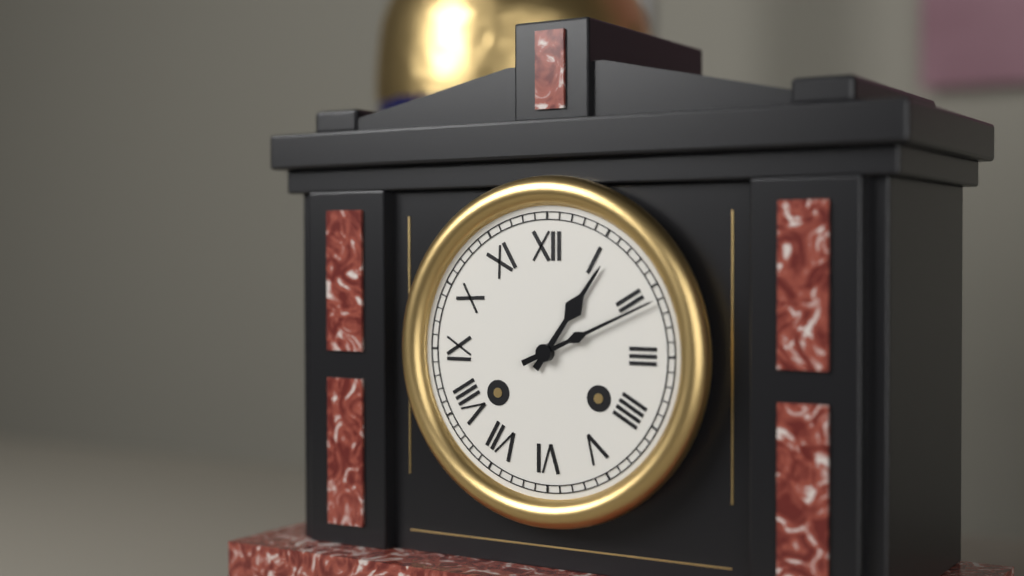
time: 1:11
